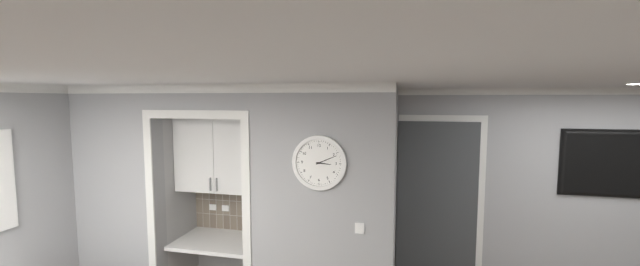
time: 3:11
